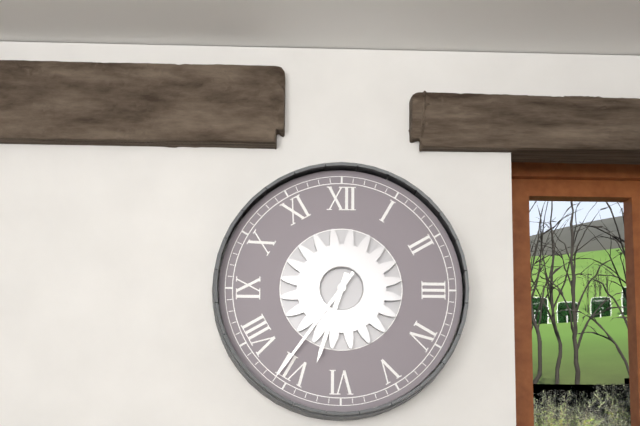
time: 6:36
